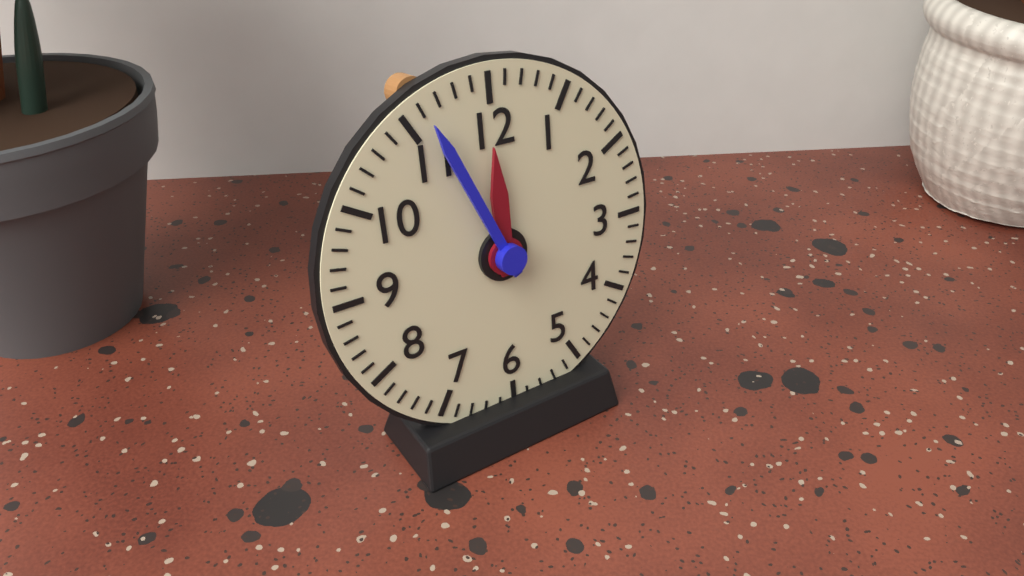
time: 11:56
